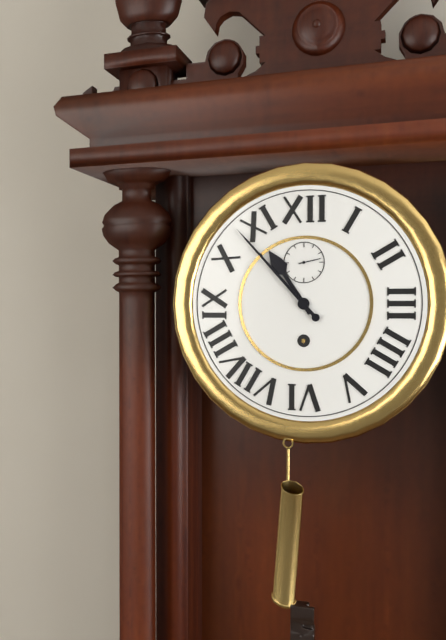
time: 10:53
